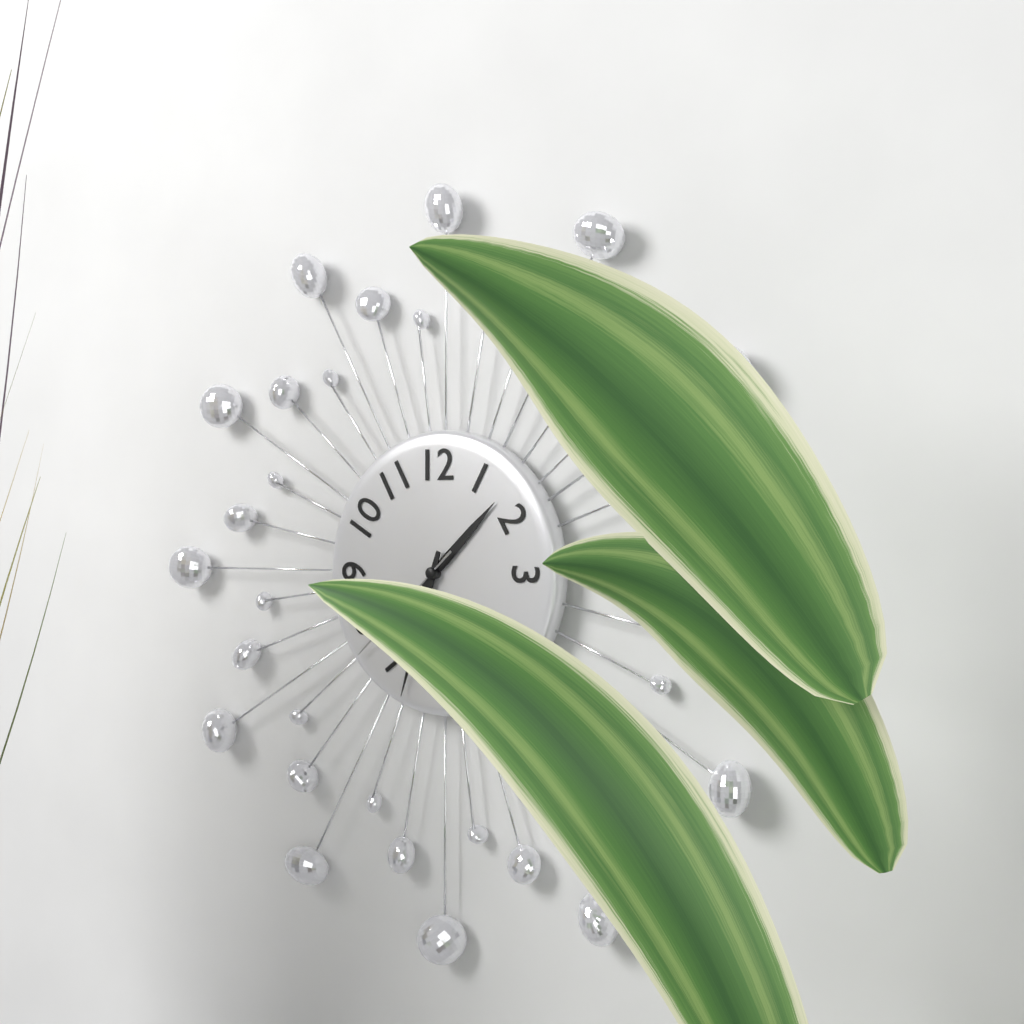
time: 1:33:38
